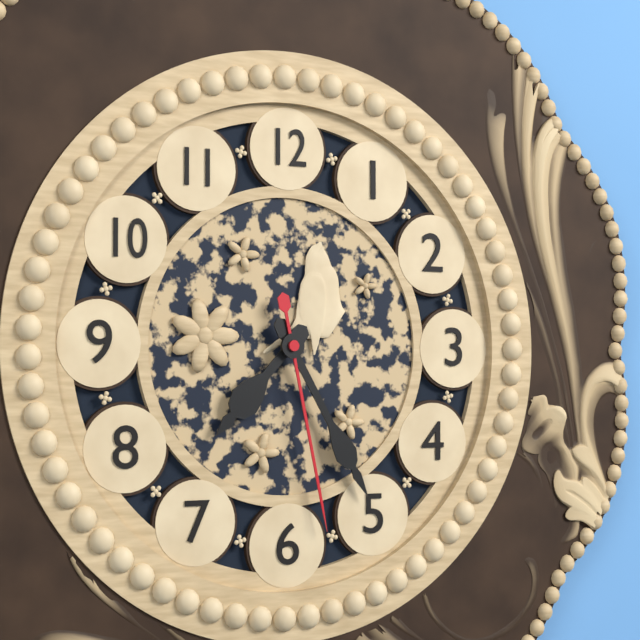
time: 7:25:28
